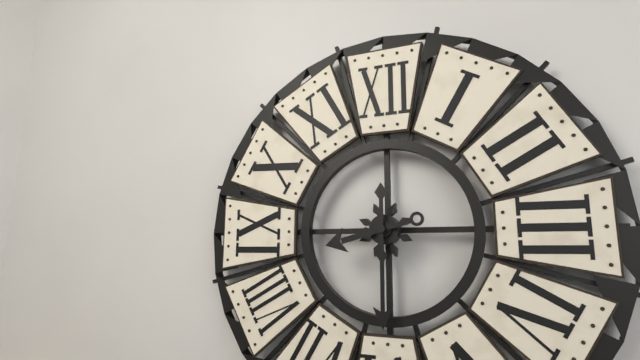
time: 8:30
